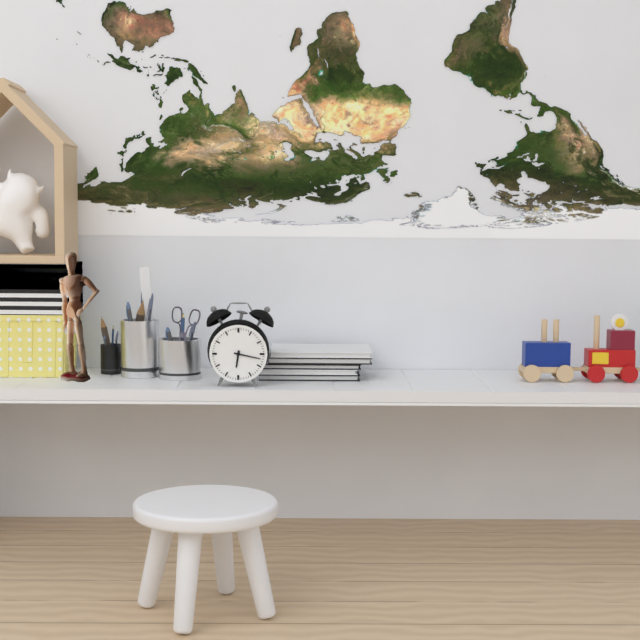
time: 6:17
